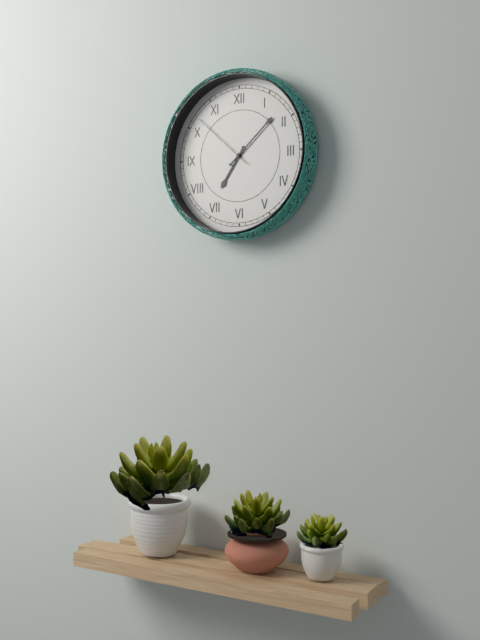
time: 7:08:52
